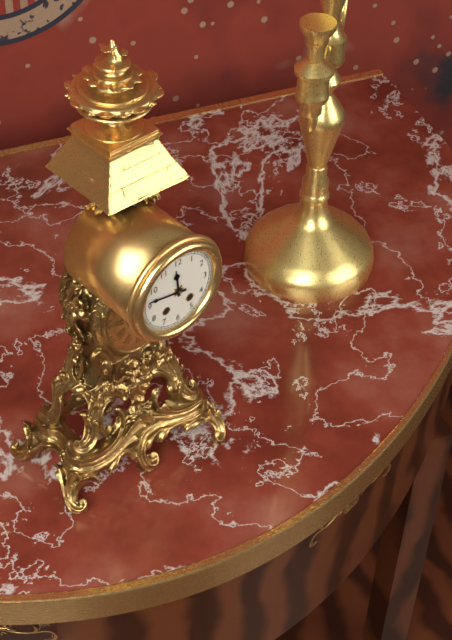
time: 11:47
